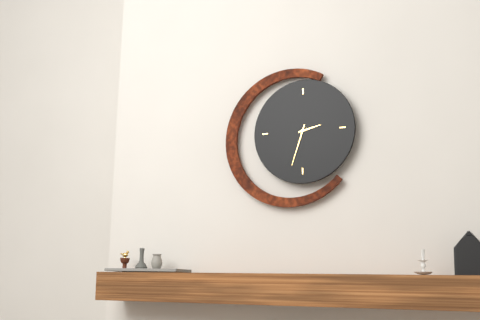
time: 2:33
